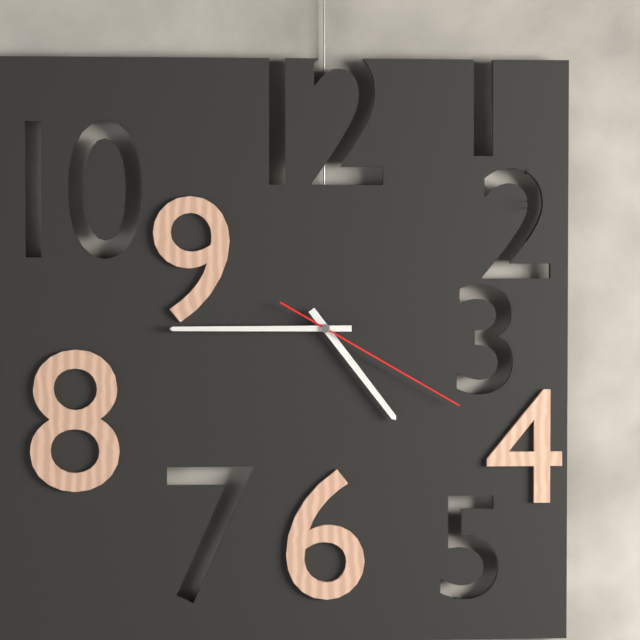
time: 4:45:20
